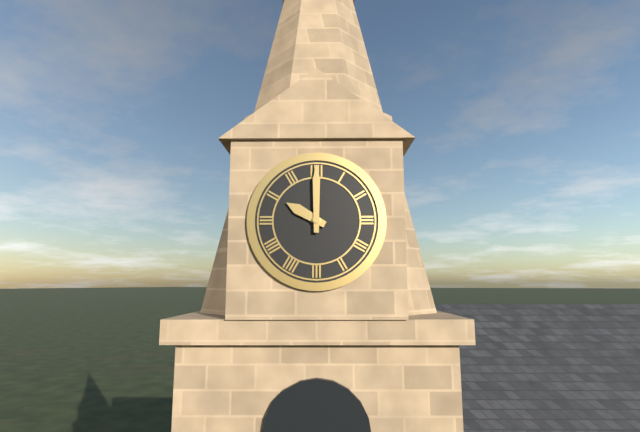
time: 10:00
